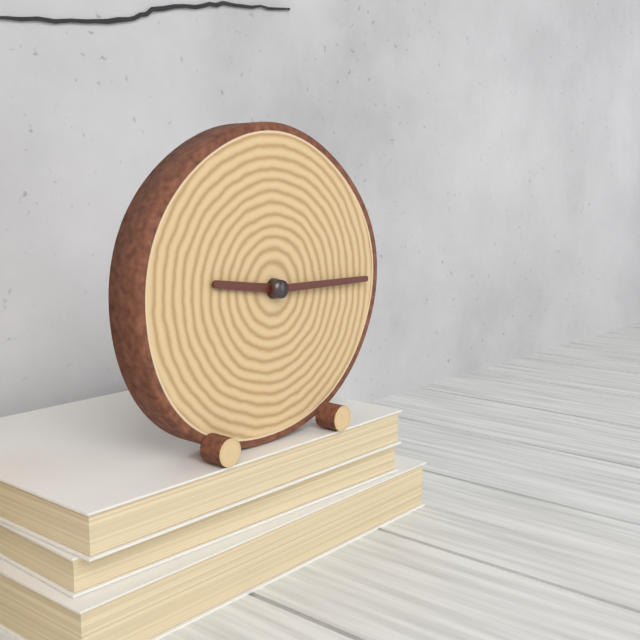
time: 9:15
